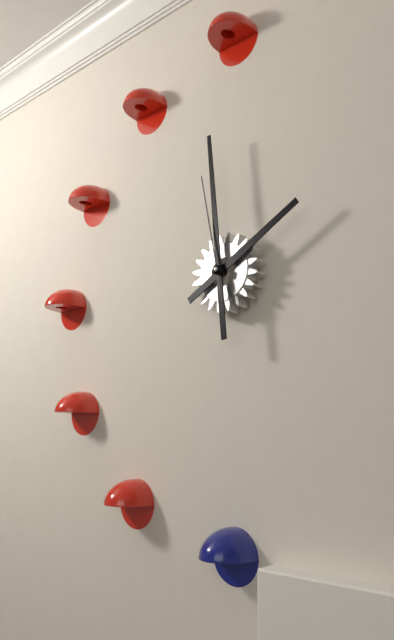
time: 1:59:58
